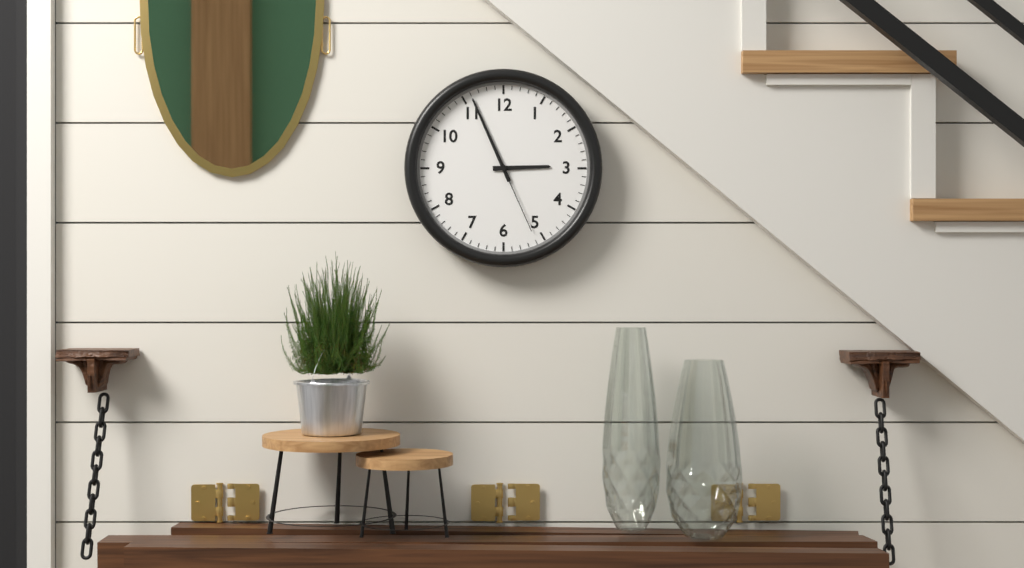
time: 2:56:26
